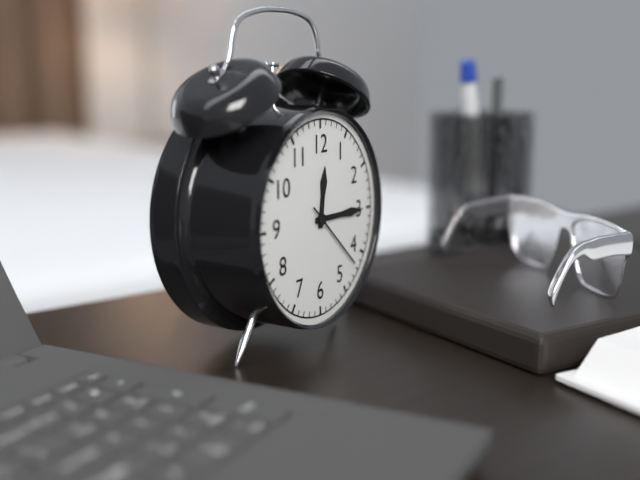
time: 12:15:22
